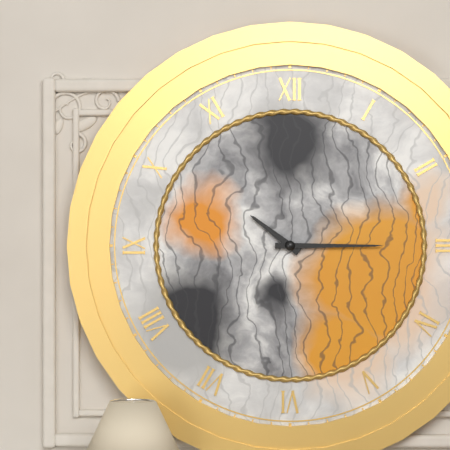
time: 10:15
